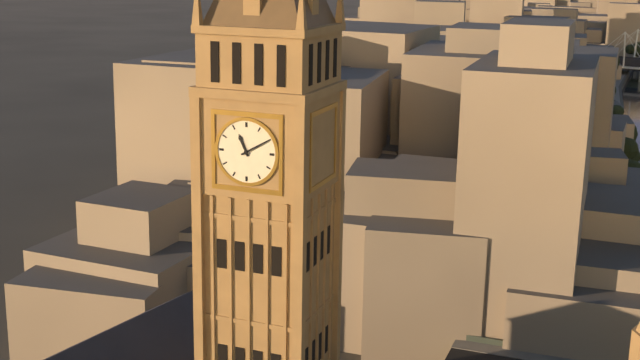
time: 11:10
